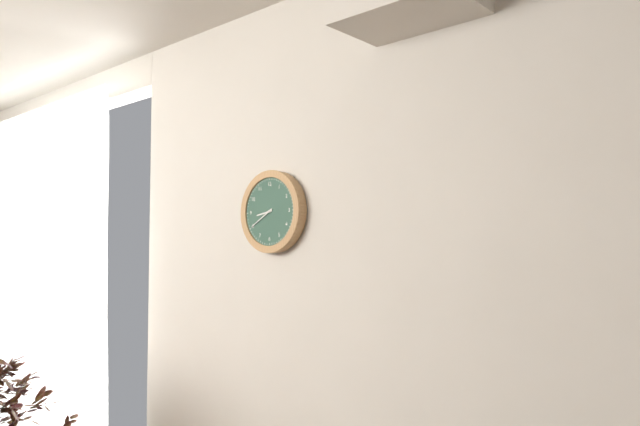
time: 8:40
